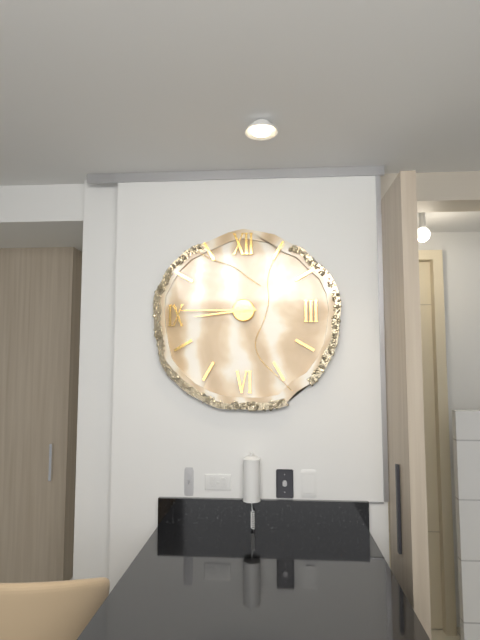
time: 8:45
